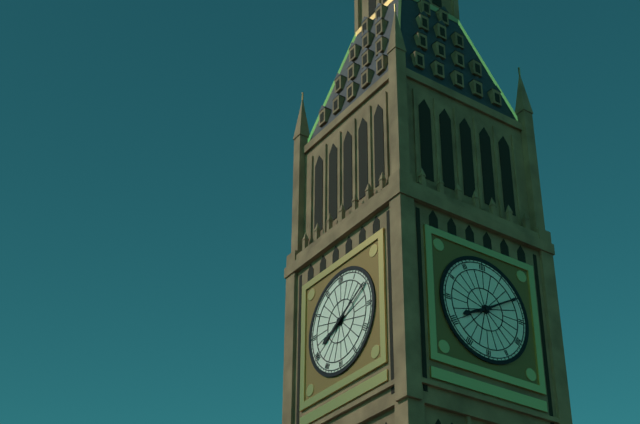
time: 8:10
